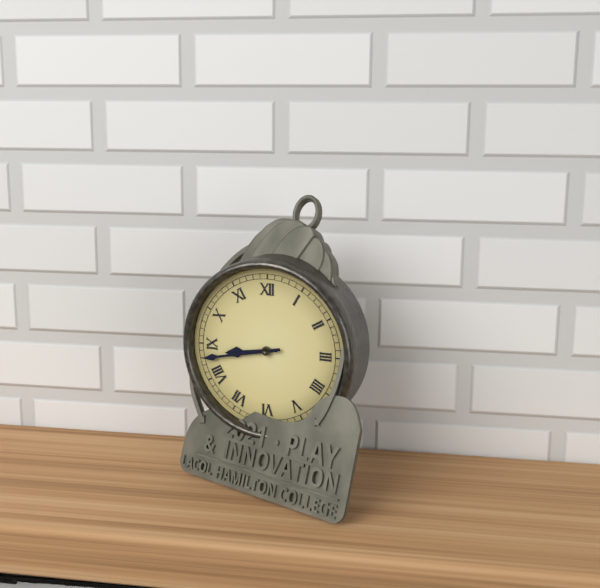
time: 8:43
